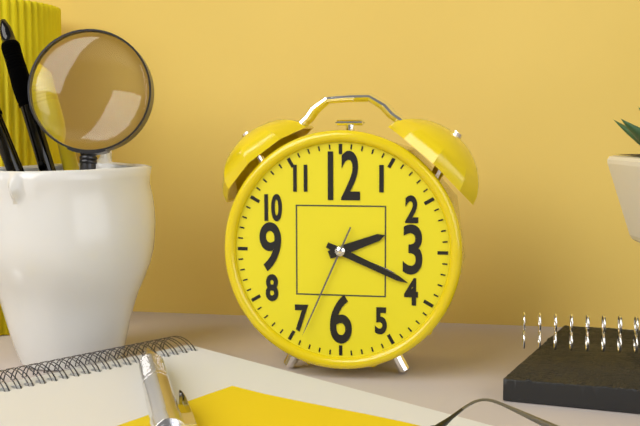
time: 2:19:34
